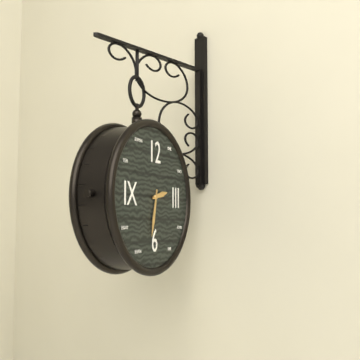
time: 2:32
